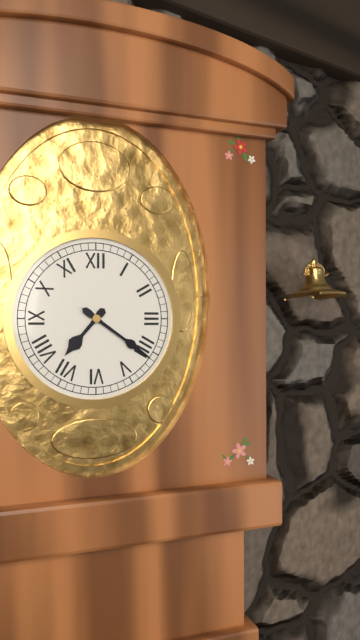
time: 7:21
